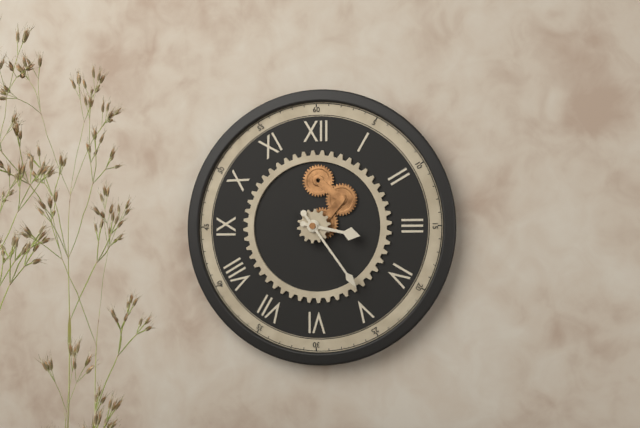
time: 3:24
